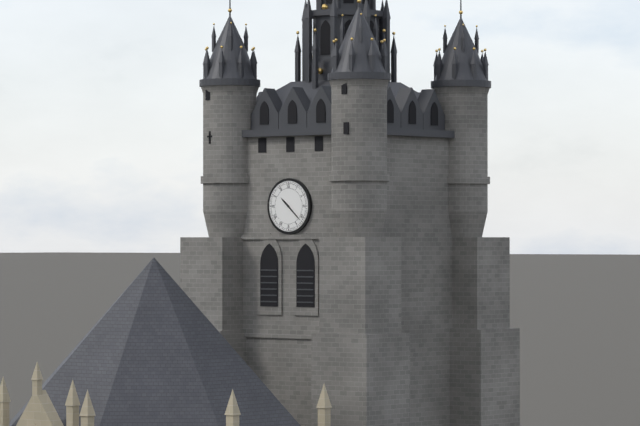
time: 10:22
